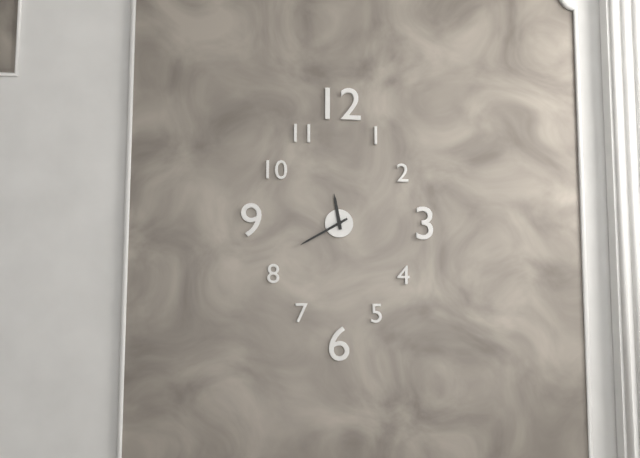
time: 11:40
